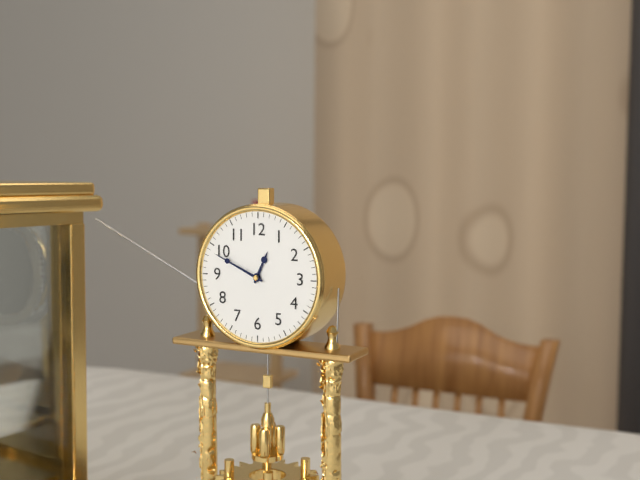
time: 12:49
